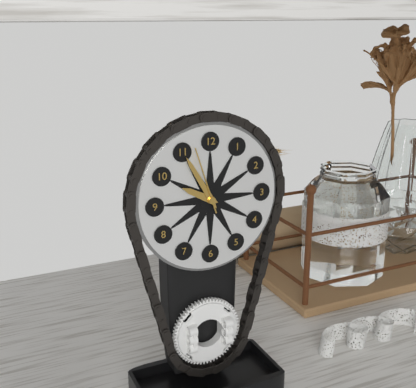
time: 9:55:57
